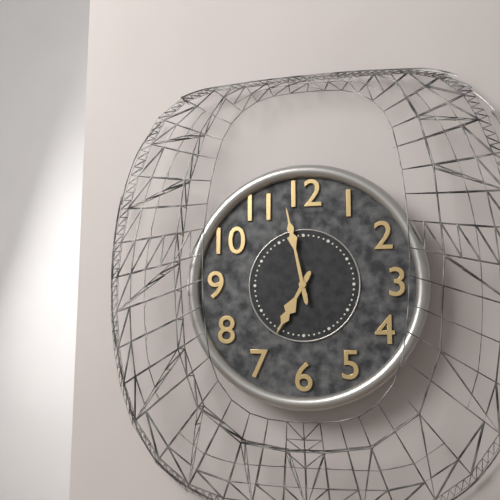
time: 6:58
